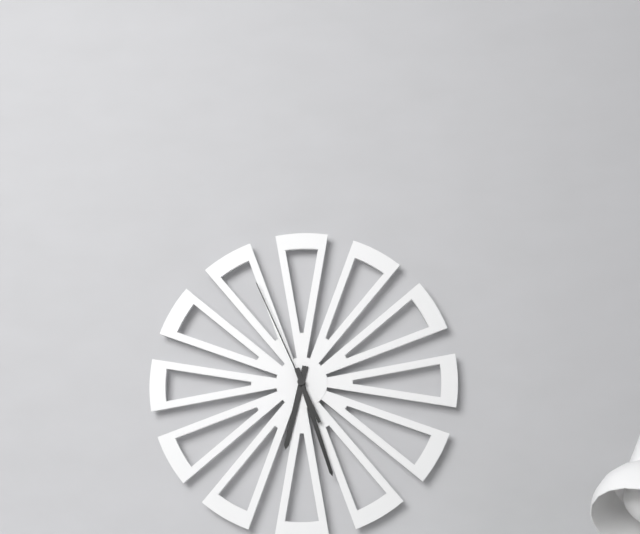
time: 6:27:56
